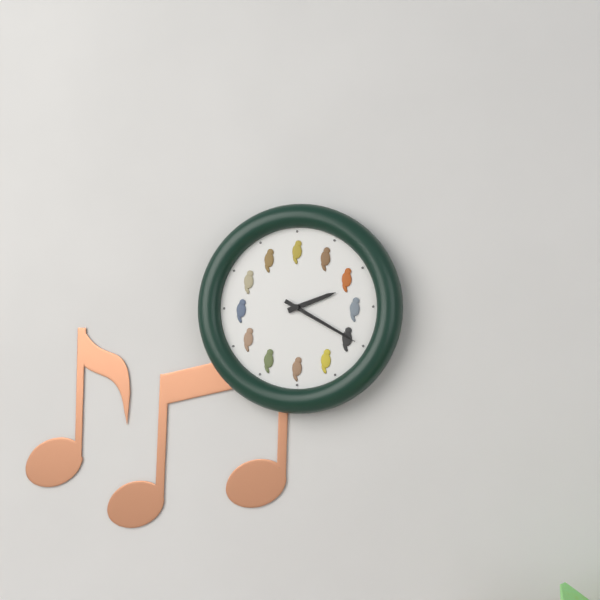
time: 2:20
